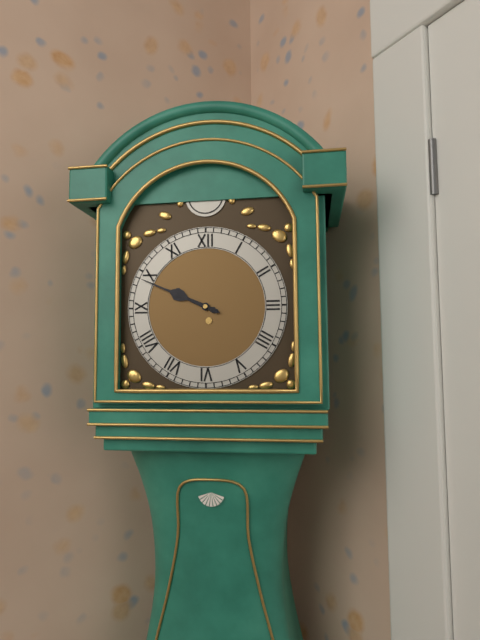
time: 9:49
